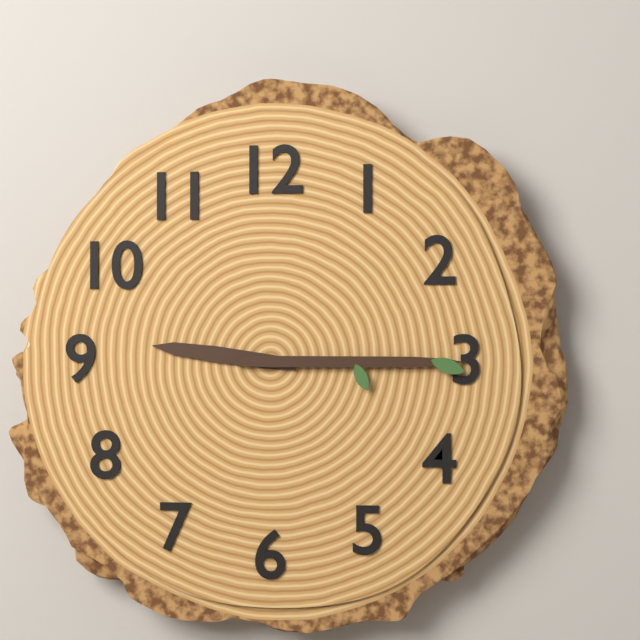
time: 9:15
